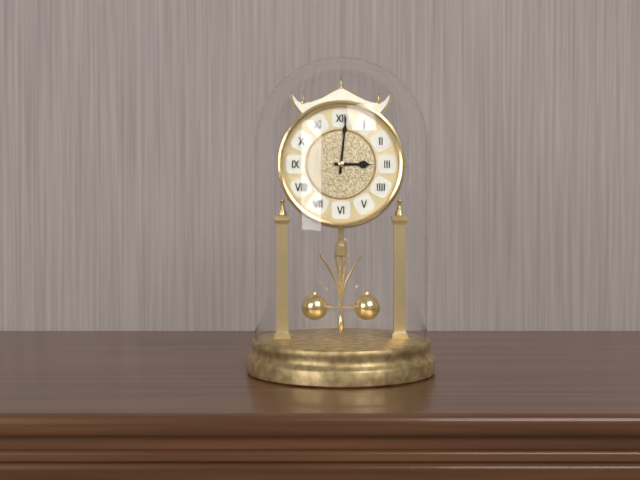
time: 3:01
